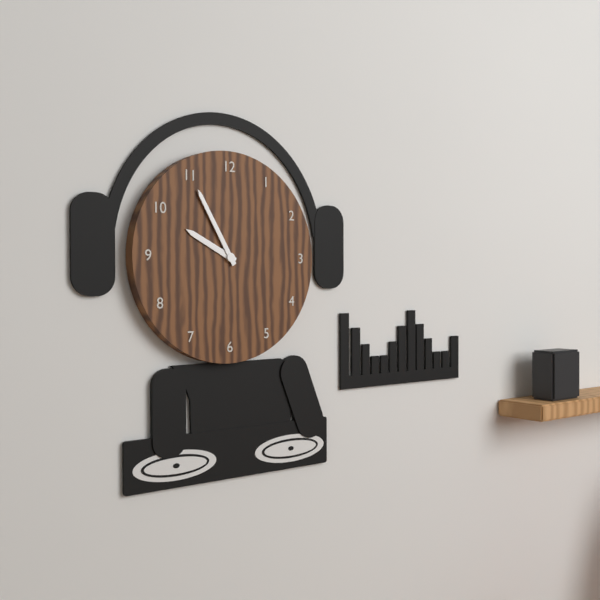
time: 9:55
